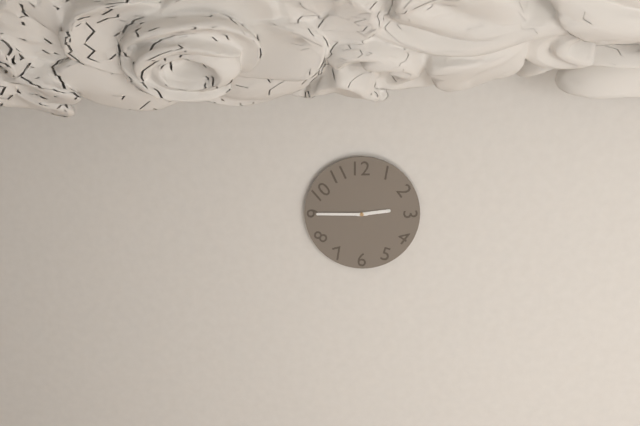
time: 2:45
